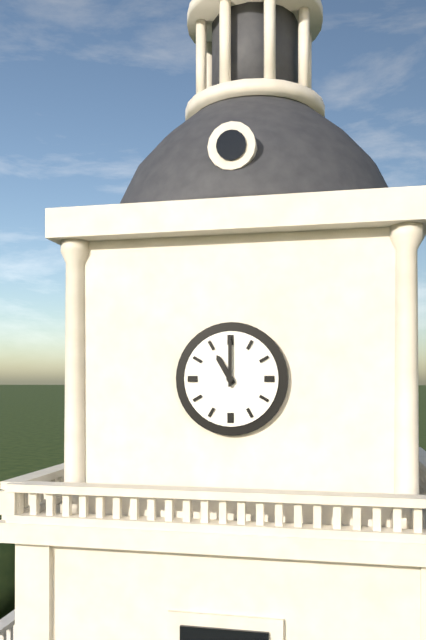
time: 11:00
